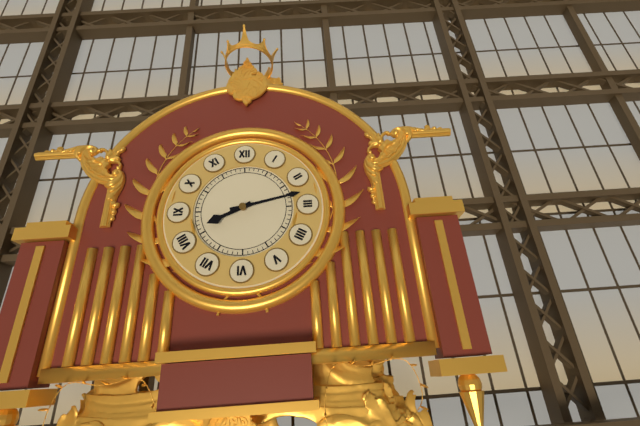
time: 8:13
